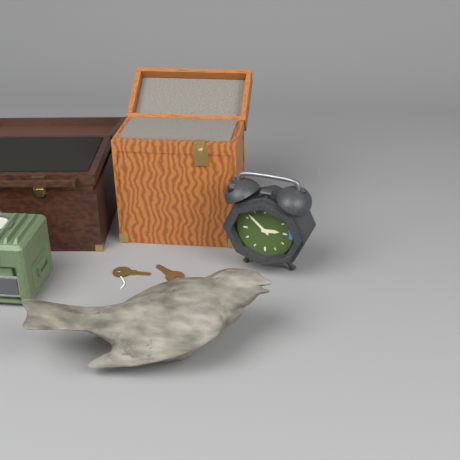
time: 2:52
